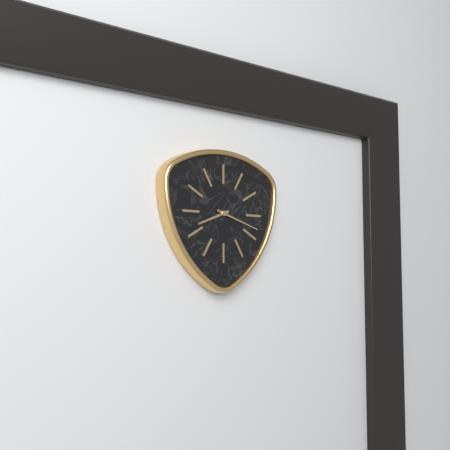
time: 8:18
